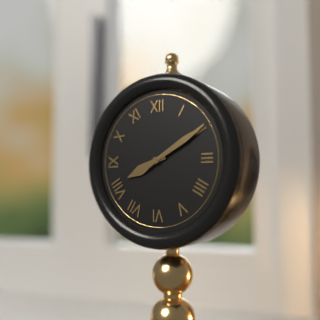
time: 8:10
